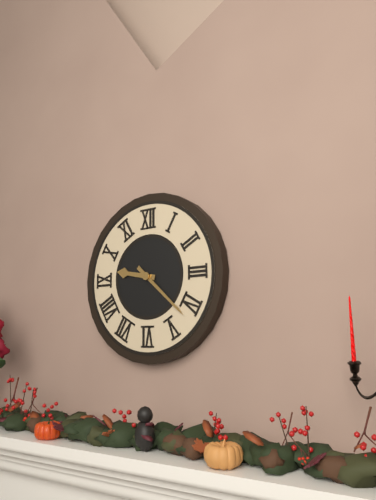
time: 9:22
